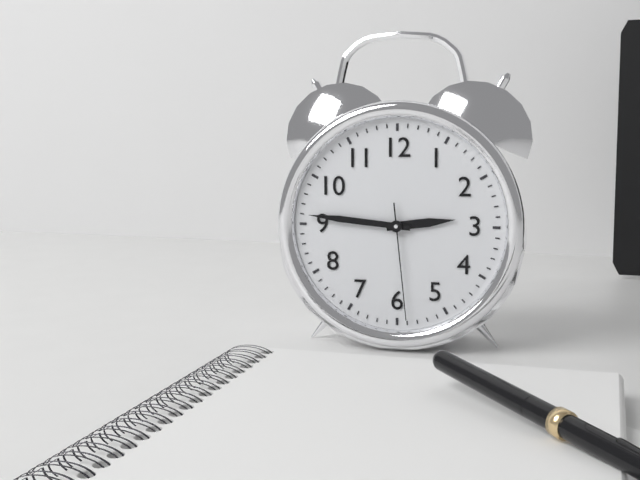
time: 2:46:29
